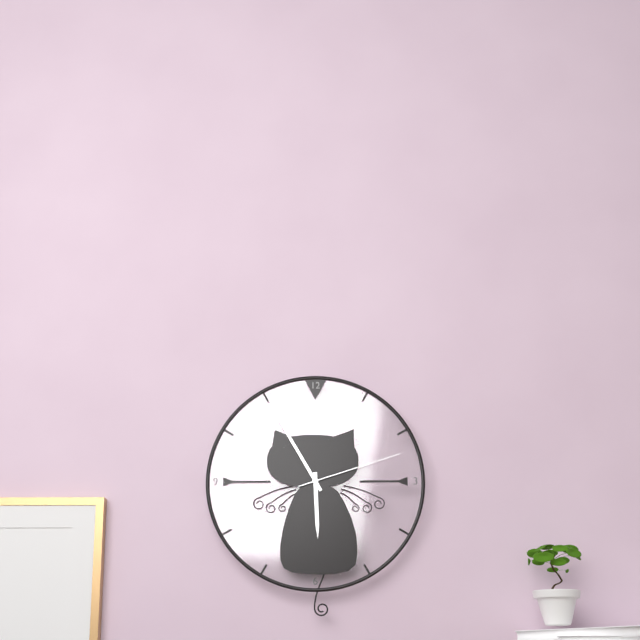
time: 5:55:12
